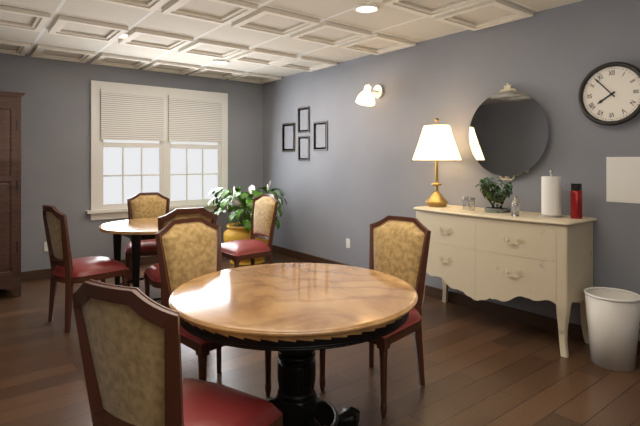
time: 7:53
